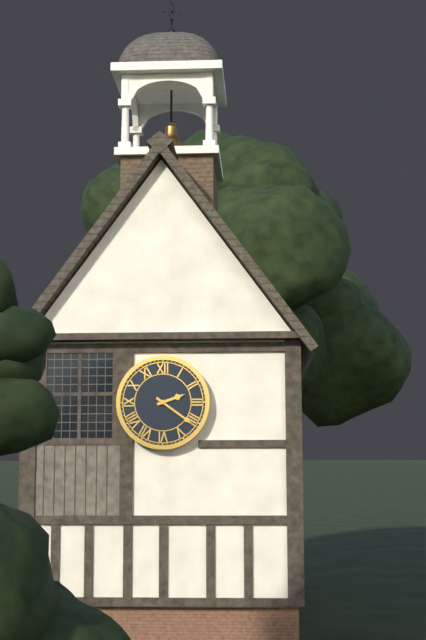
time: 2:21
